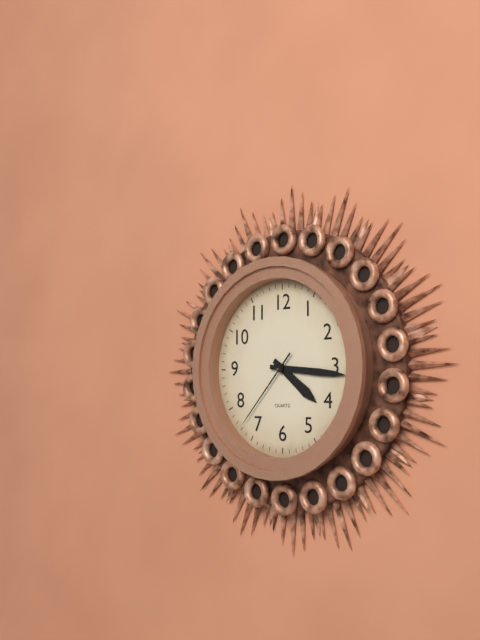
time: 4:16:37
